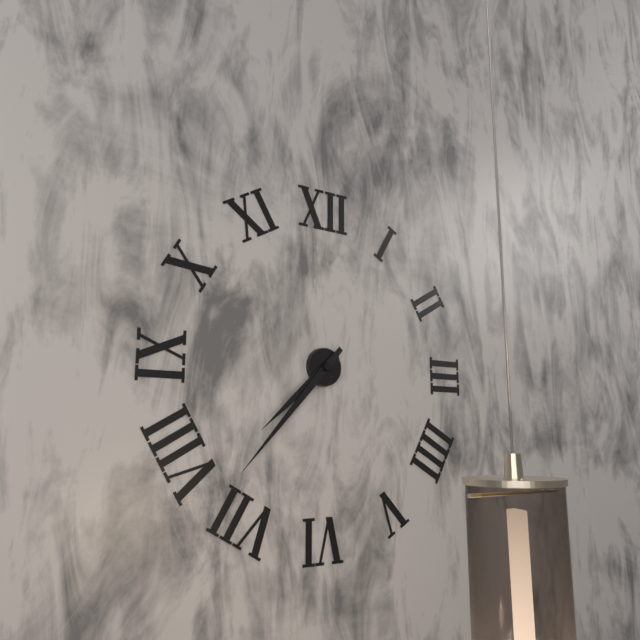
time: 7:37
